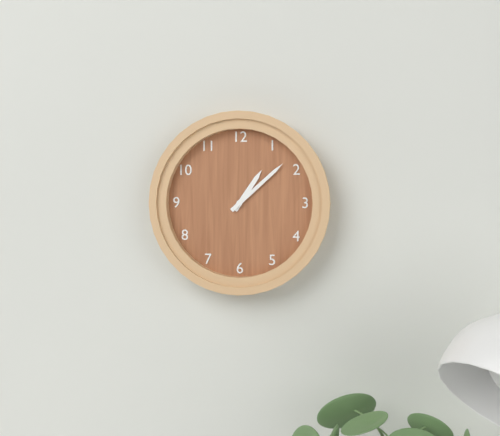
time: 1:08
